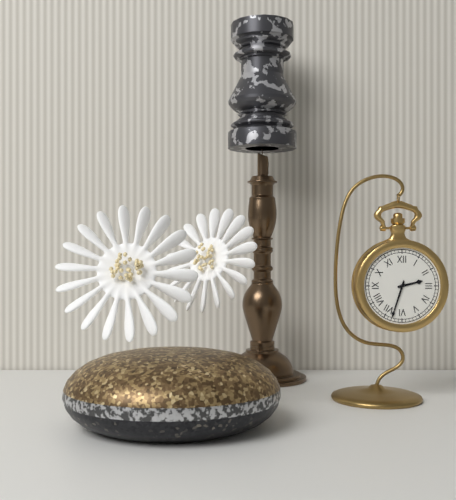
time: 2:33
